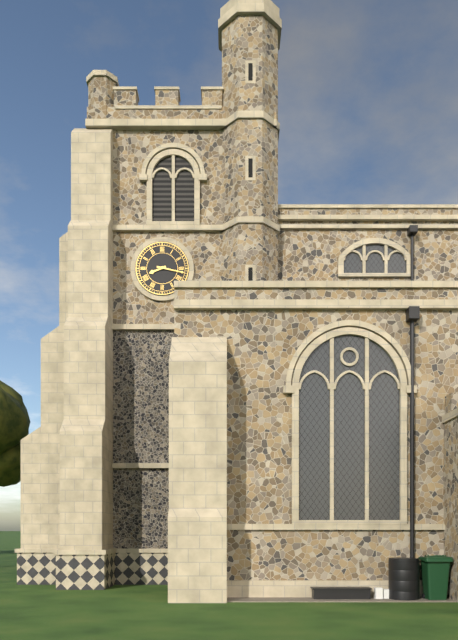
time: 8:17
